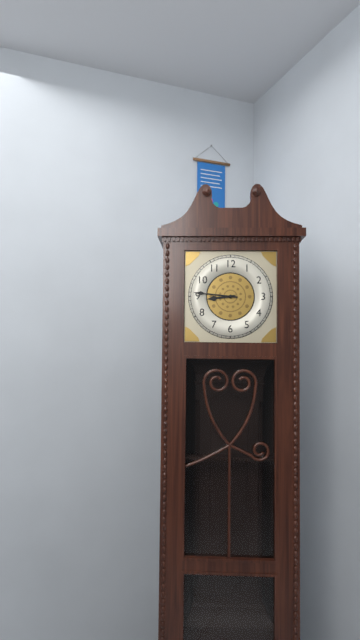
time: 8:46
